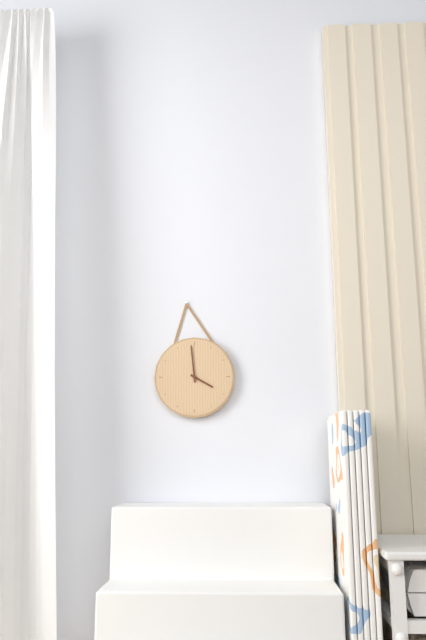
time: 3:59
